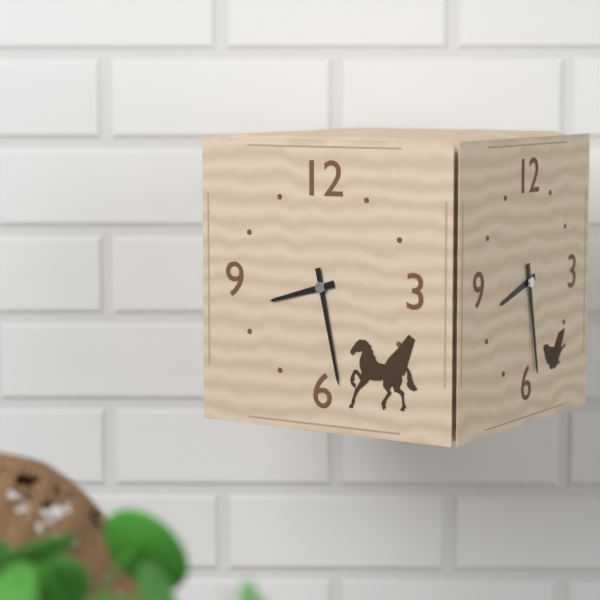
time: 8:28
